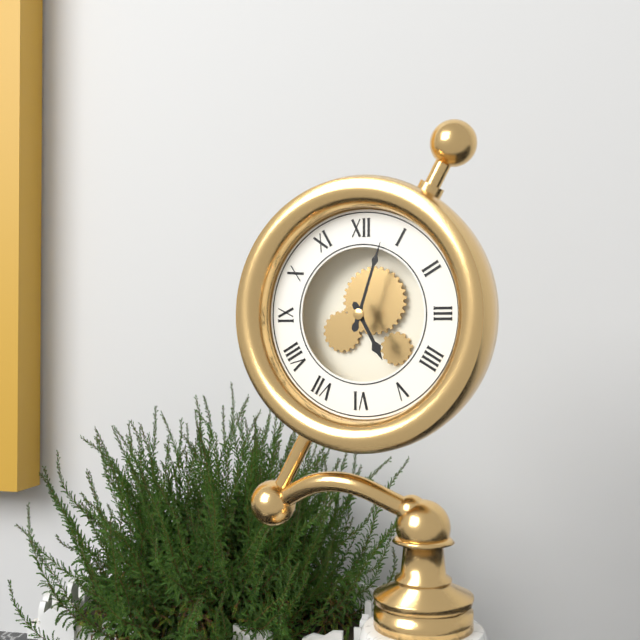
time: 5:03
